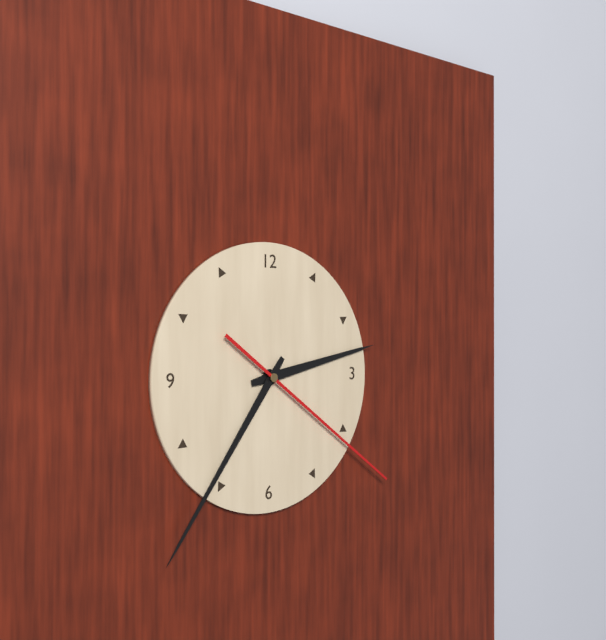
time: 2:36:21
